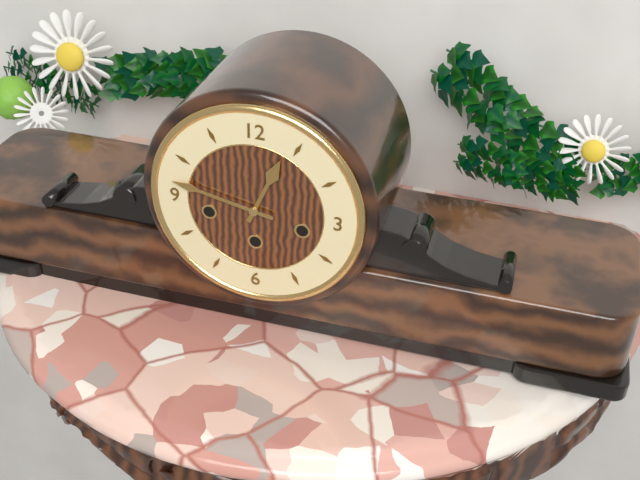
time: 12:47
